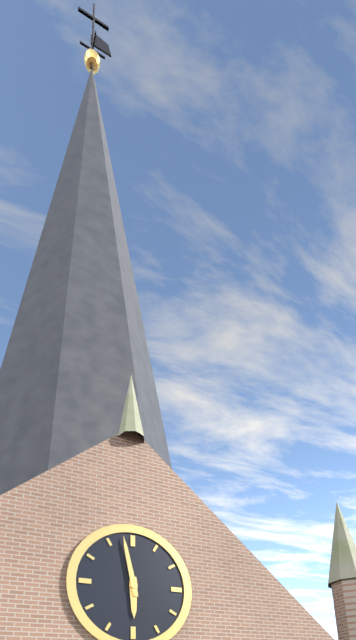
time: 5:58
